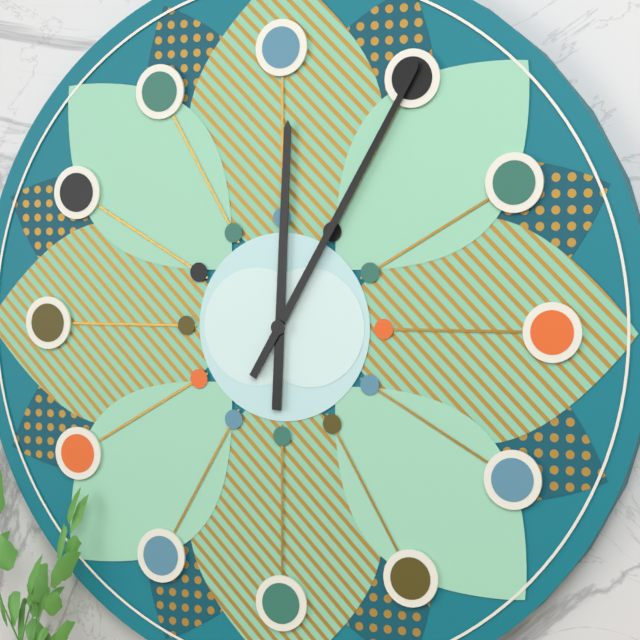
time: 12:05
